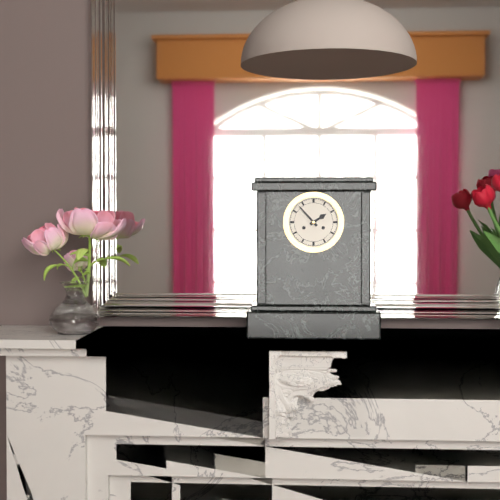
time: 1:53
